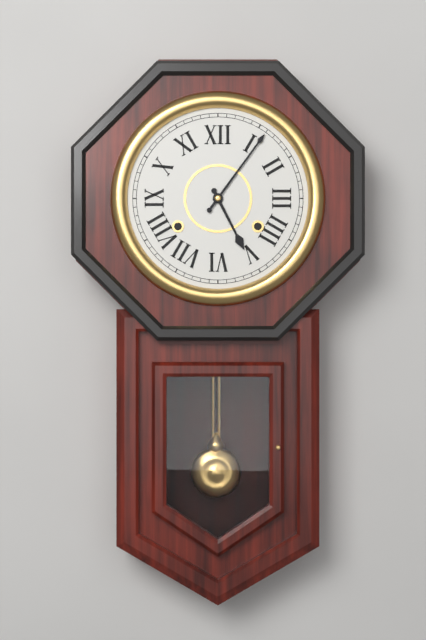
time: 5:06
